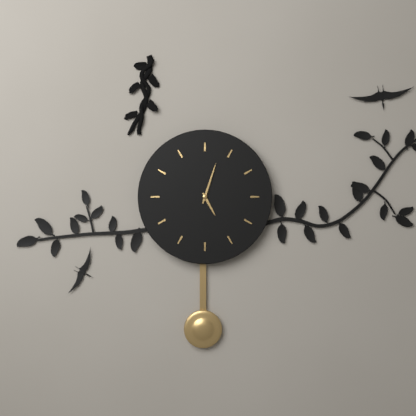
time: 5:03
